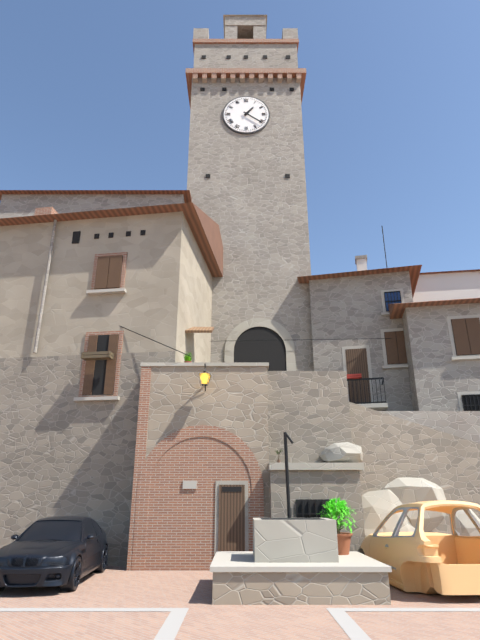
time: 1:21
